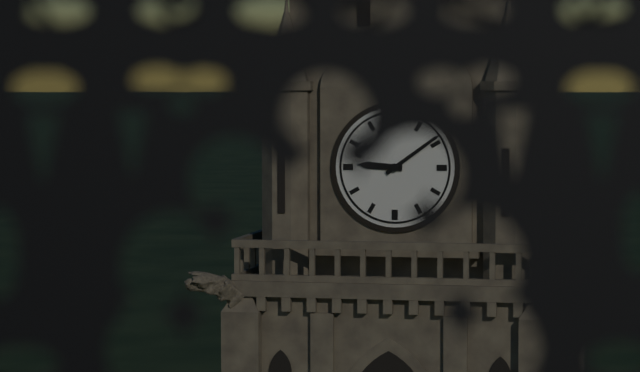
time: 9:09
